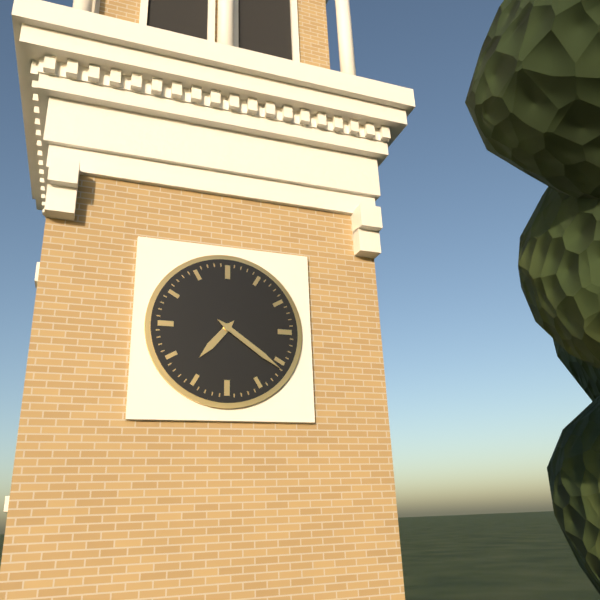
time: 7:21
